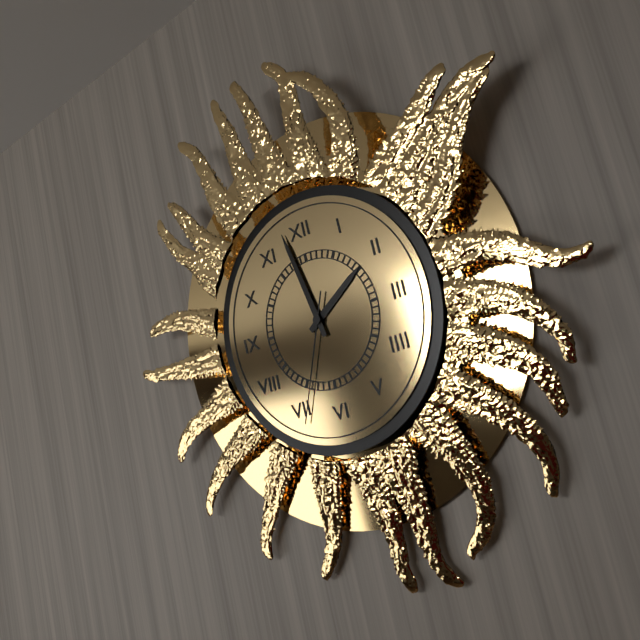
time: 1:58:34
